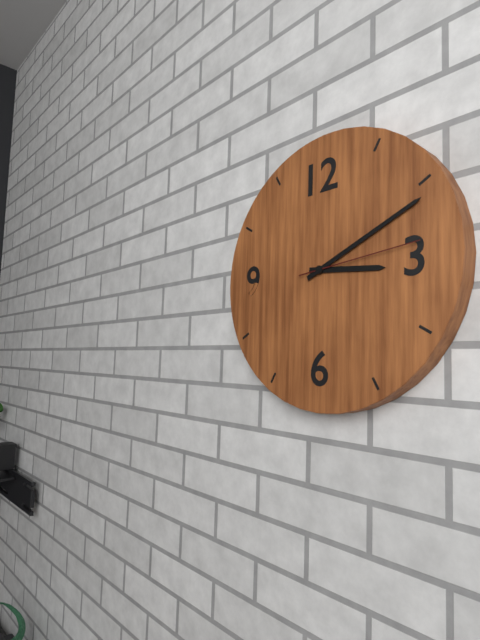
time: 3:11:14
